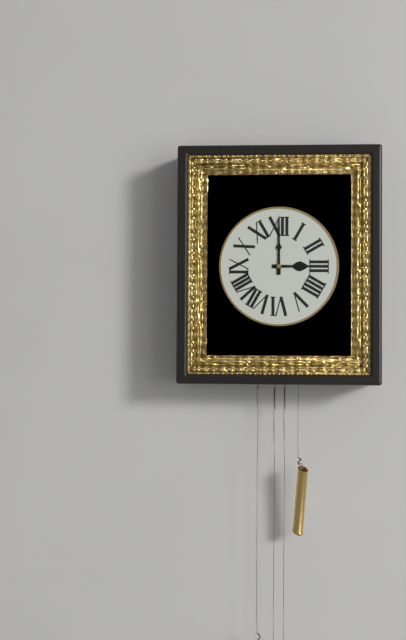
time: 3:00
